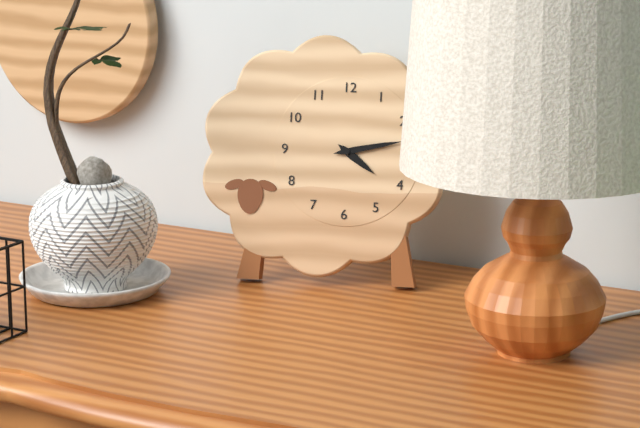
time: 4:13
